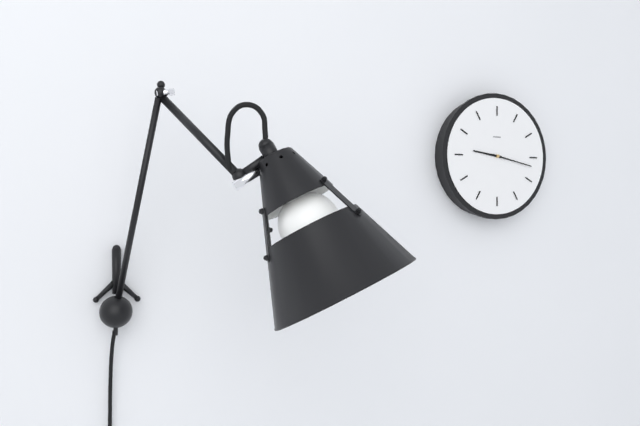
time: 9:17
